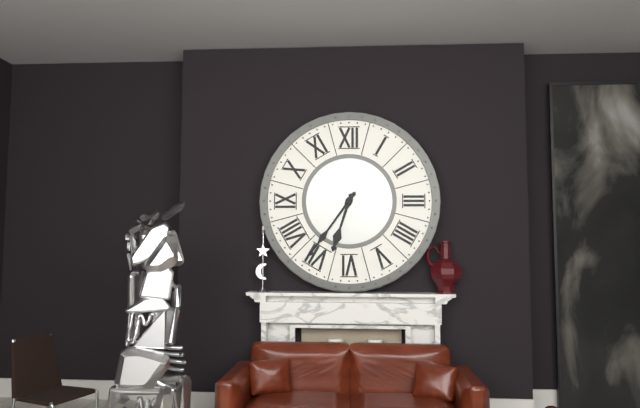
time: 6:36
